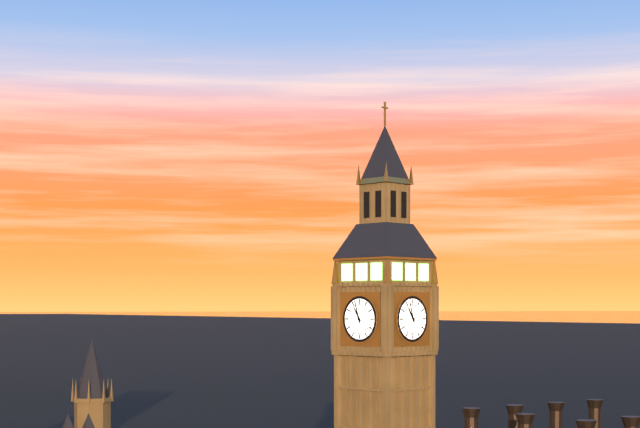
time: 10:57
